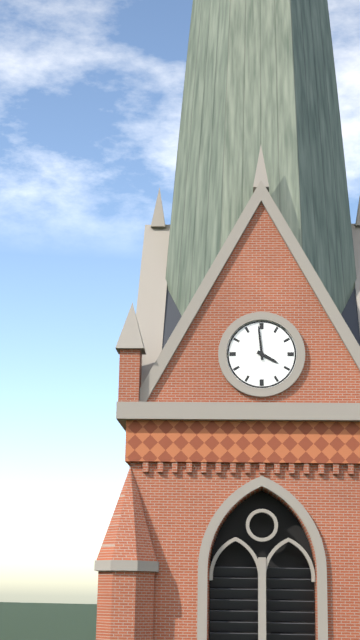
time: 3:59
